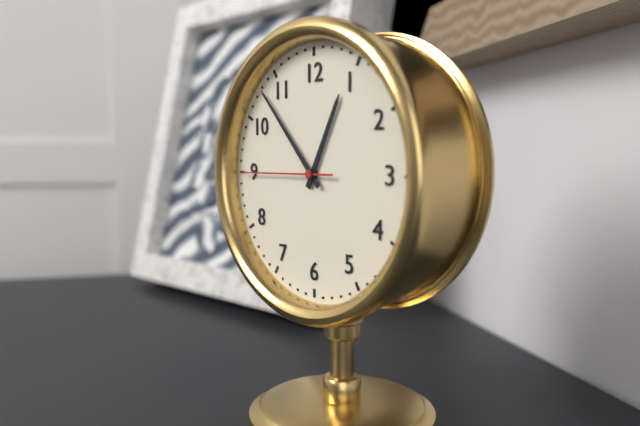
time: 12:53:45
